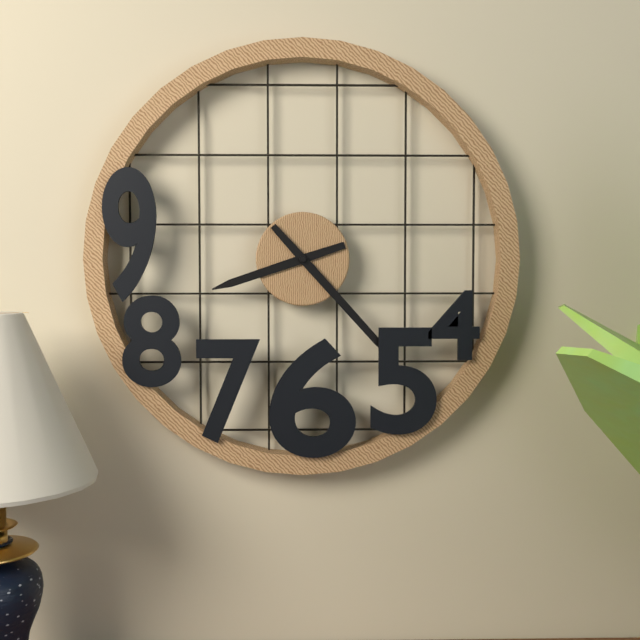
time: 8:23
